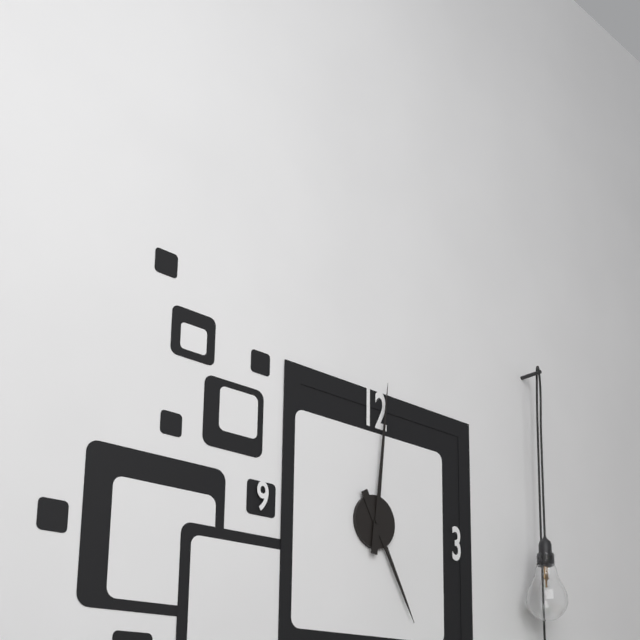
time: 5:01
